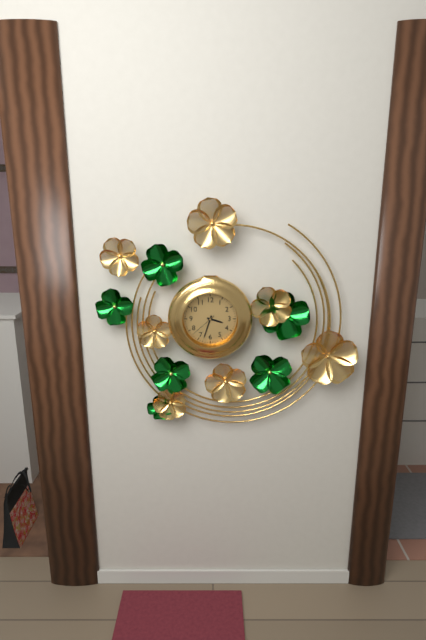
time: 3:33
